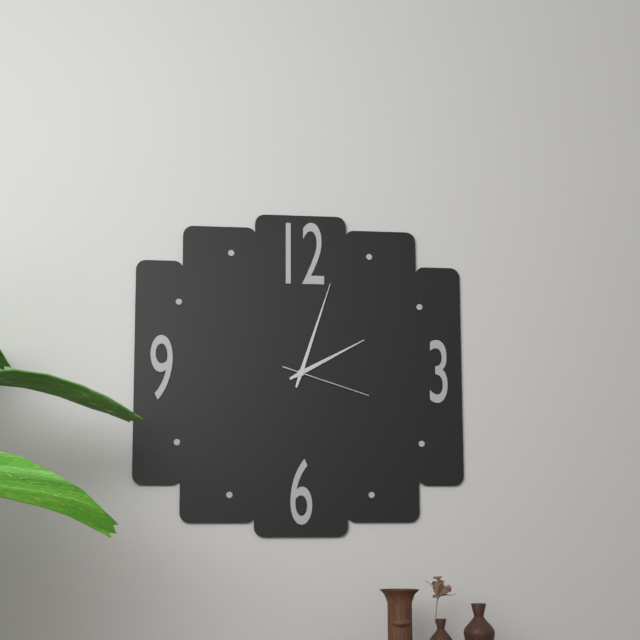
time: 2:03:18
